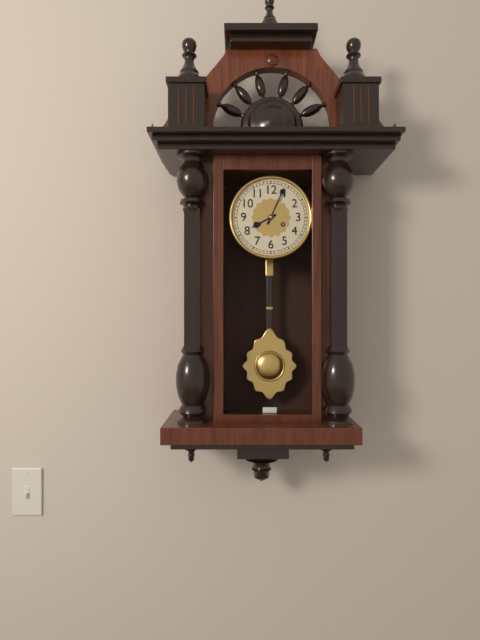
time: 8:04
